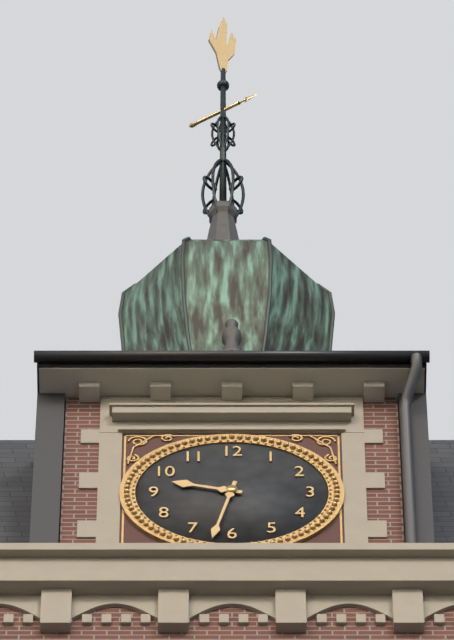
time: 9:32
